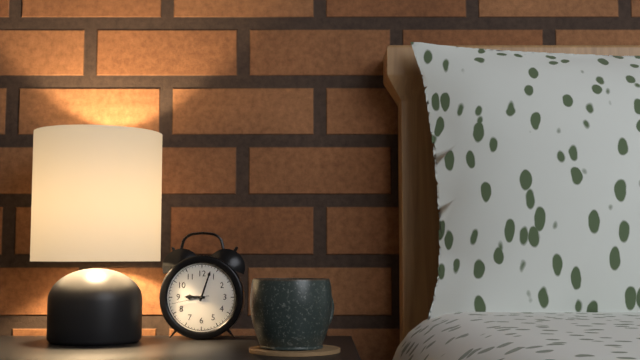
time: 9:03
